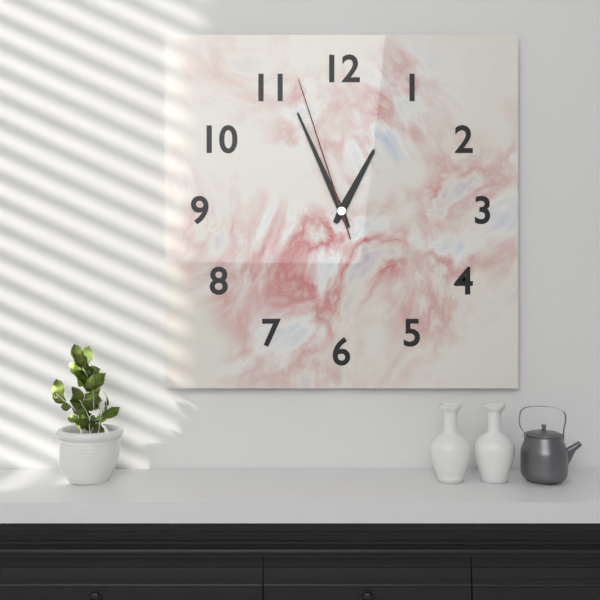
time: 12:56:57
